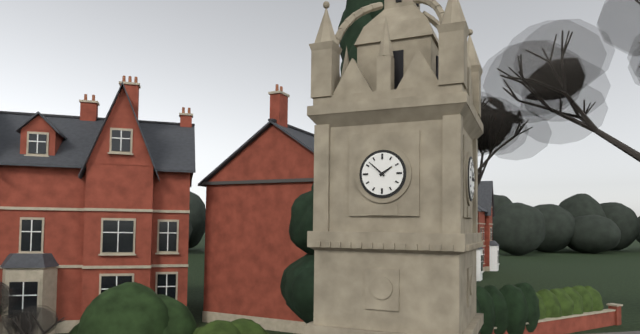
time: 1:52
